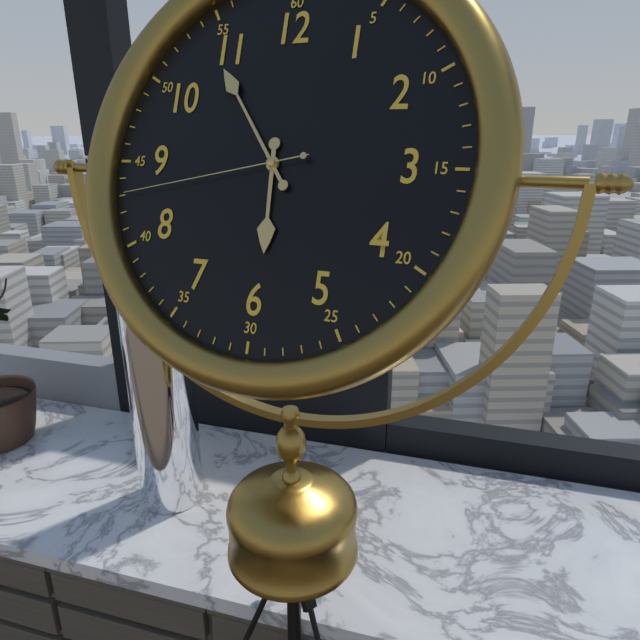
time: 5:54:43
